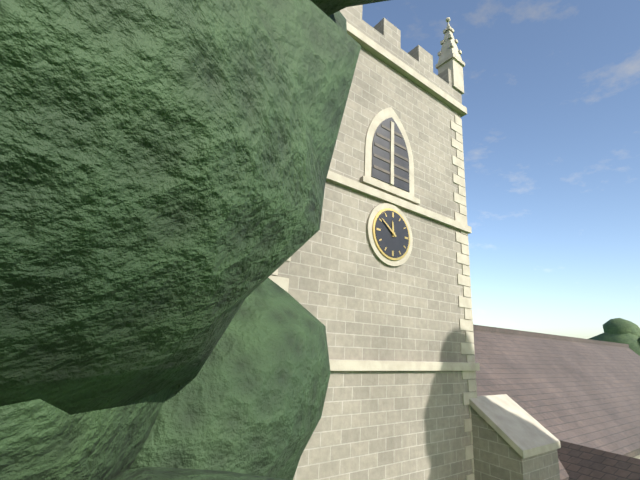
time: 11:51
